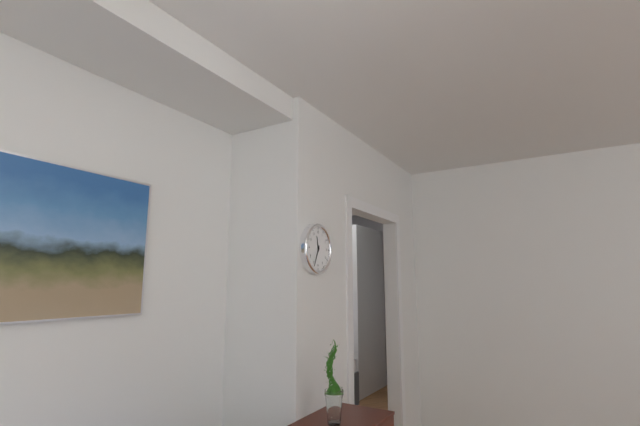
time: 11:34
